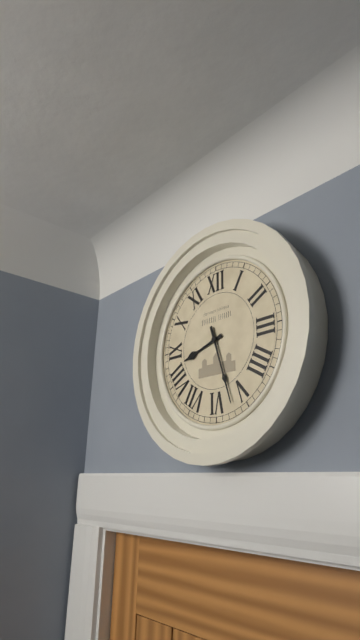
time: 8:27
